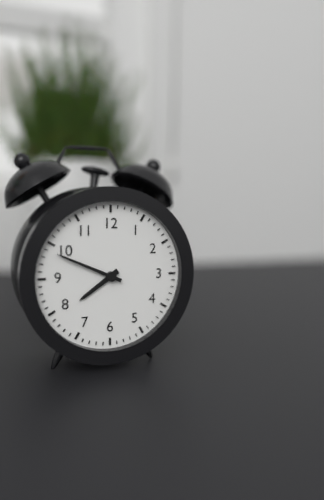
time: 7:49
